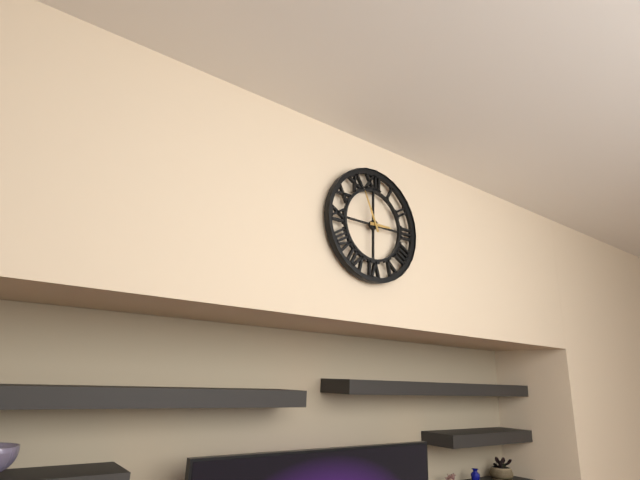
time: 2:56
